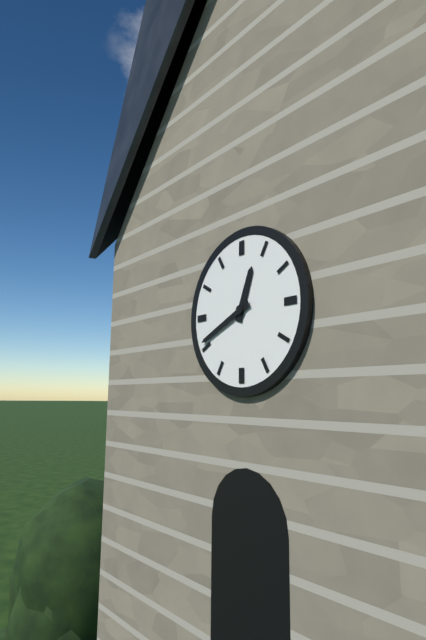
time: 12:41
